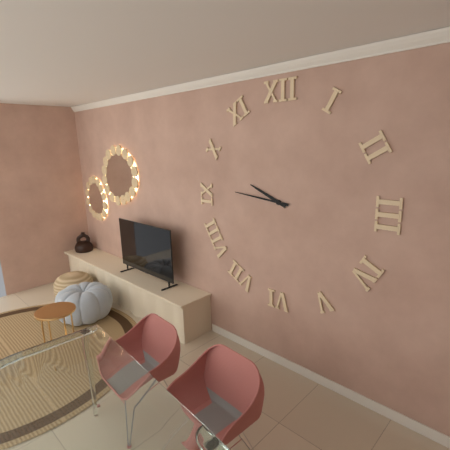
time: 9:46
